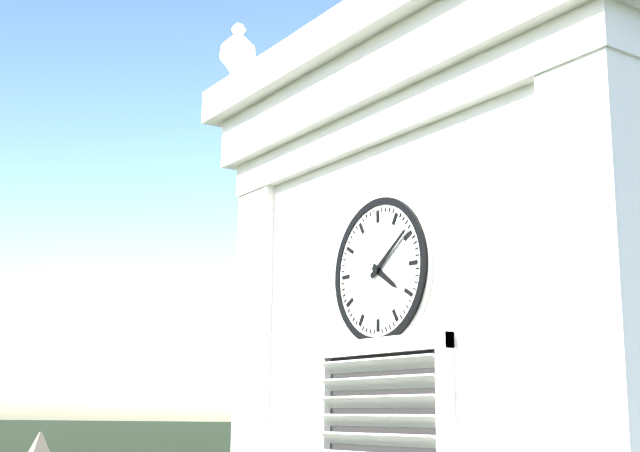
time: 4:09
